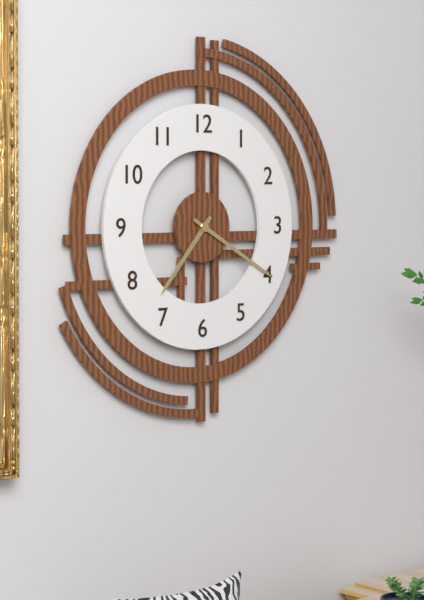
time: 7:20
